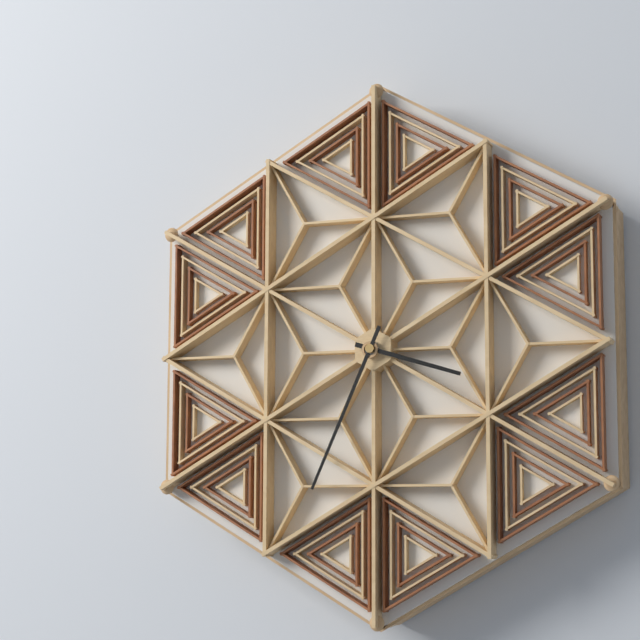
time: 3:34
